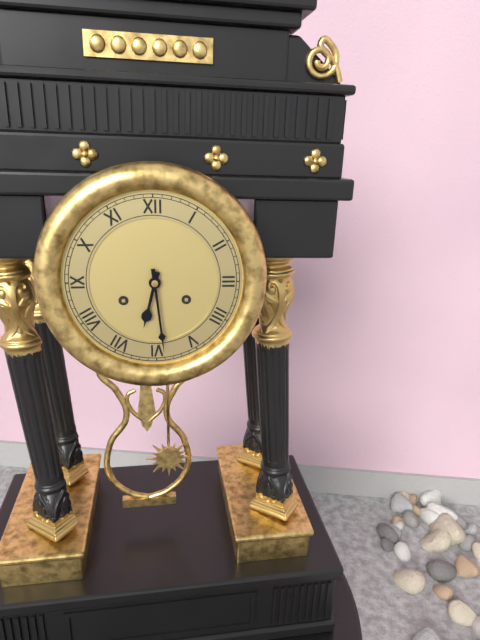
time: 6:29
